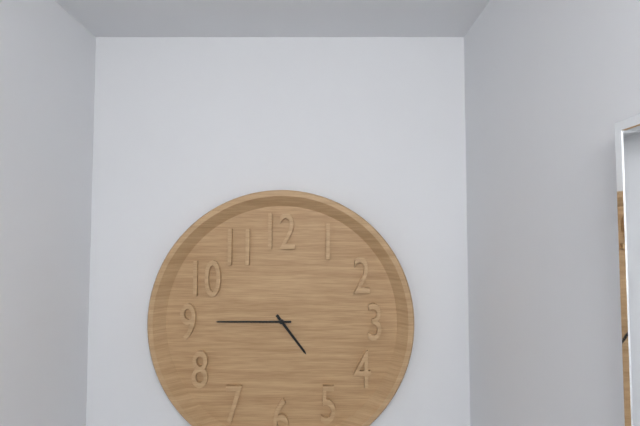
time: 4:45
